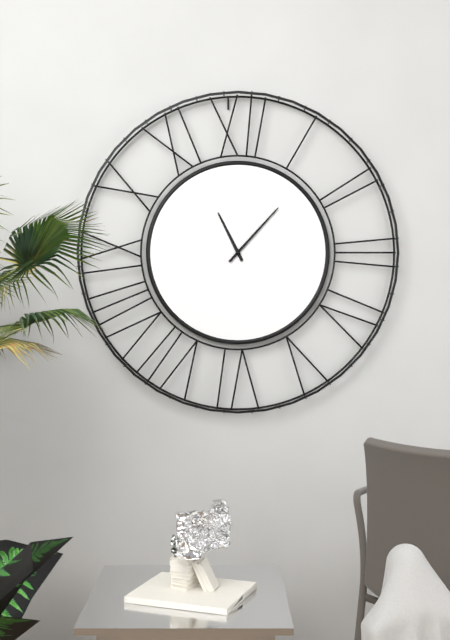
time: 11:07
